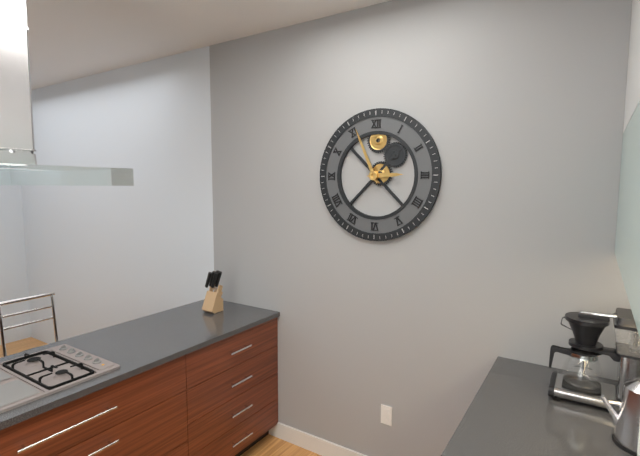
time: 2:56
